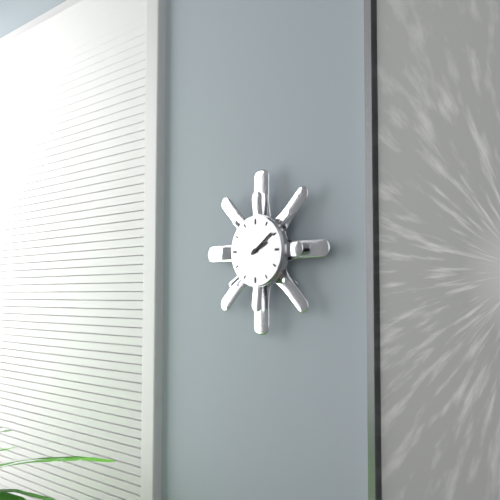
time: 2:09
